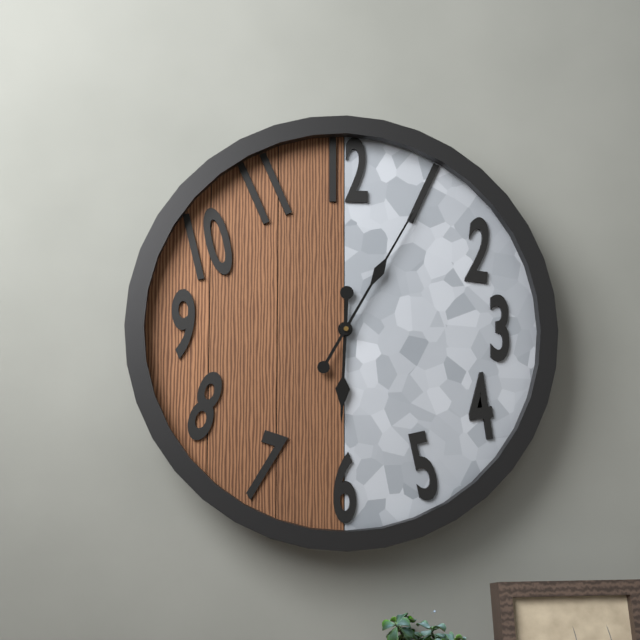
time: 6:05
